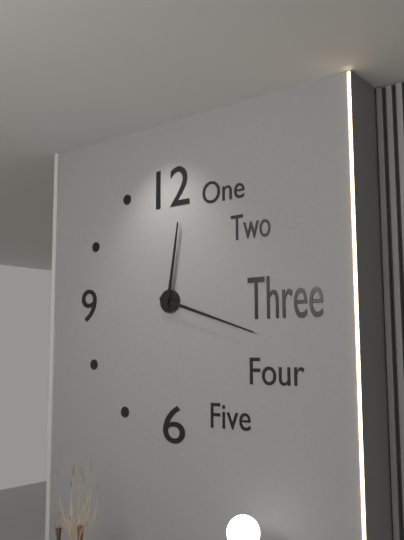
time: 12:18
